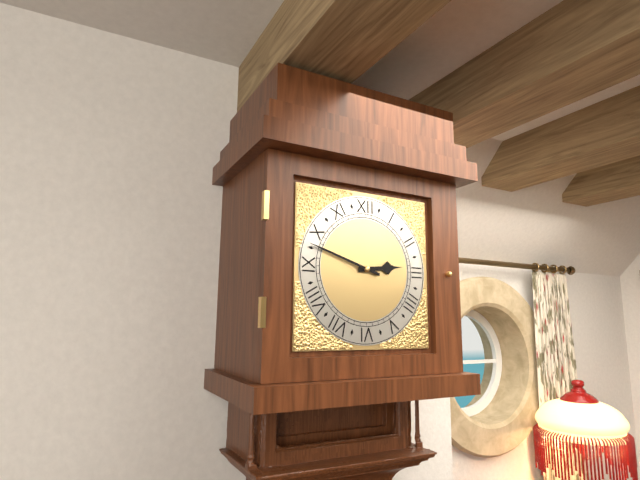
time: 2:48
